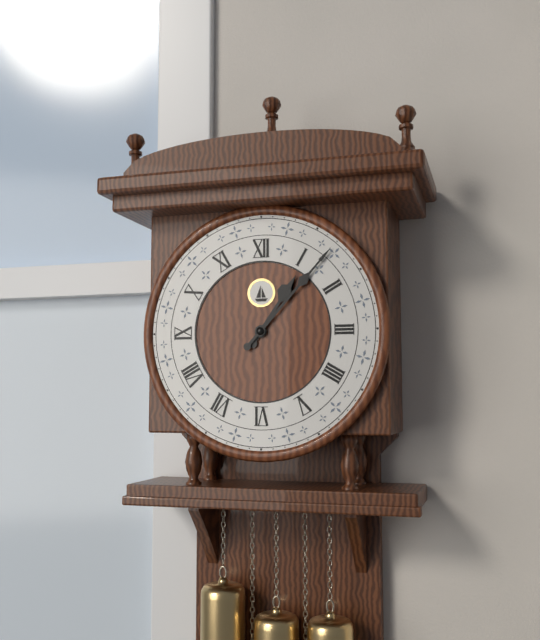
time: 1:07
